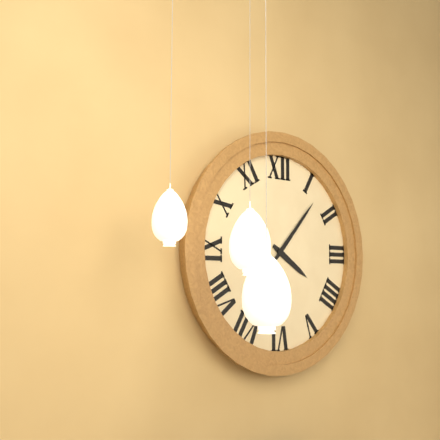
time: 4:07
